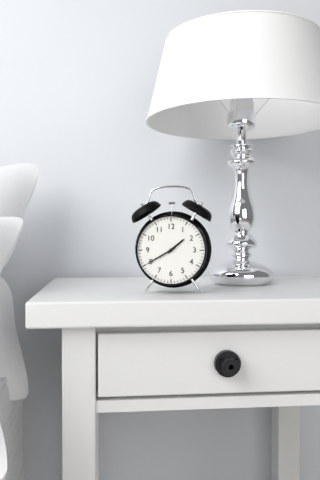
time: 1:40
